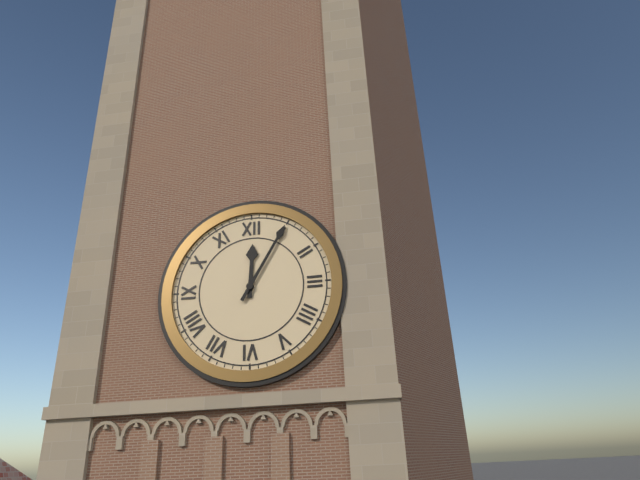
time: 12:05
